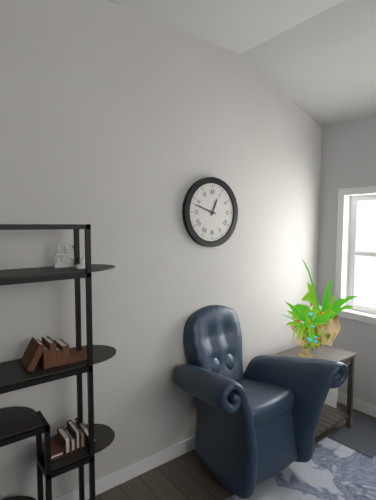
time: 12:48
